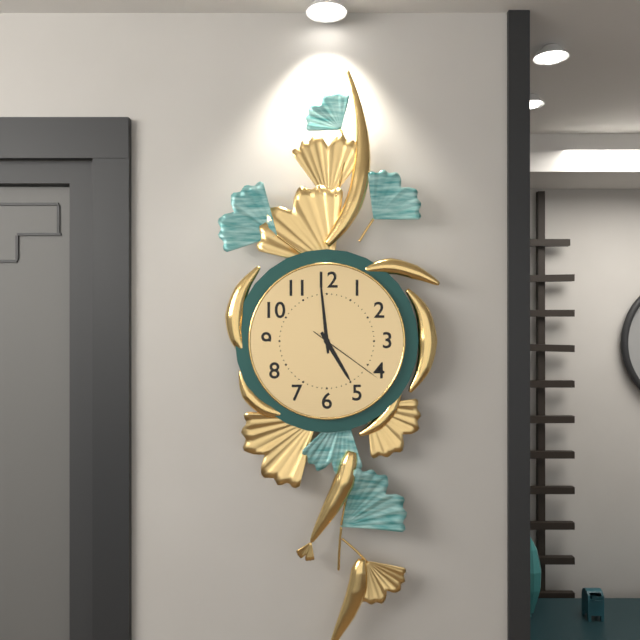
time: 4:59:21
